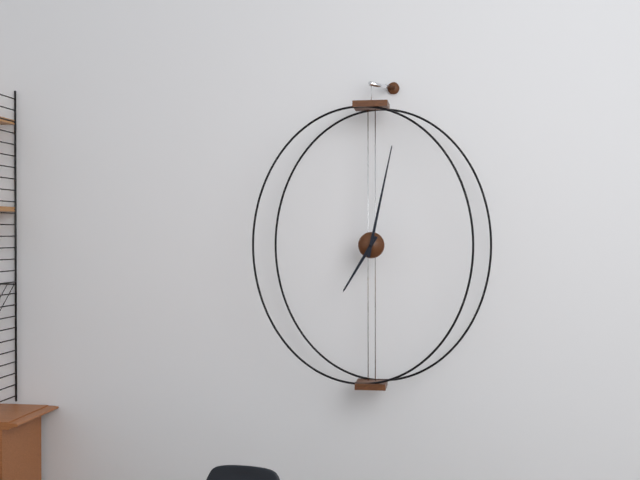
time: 7:02
